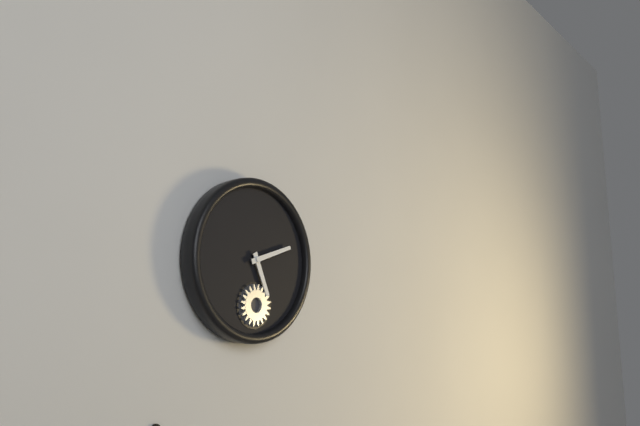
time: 5:12
